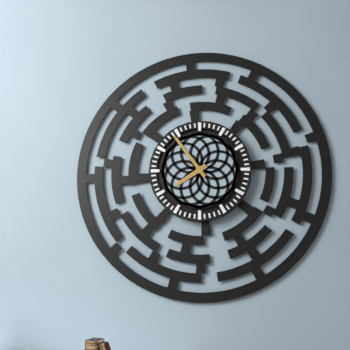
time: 7:54
